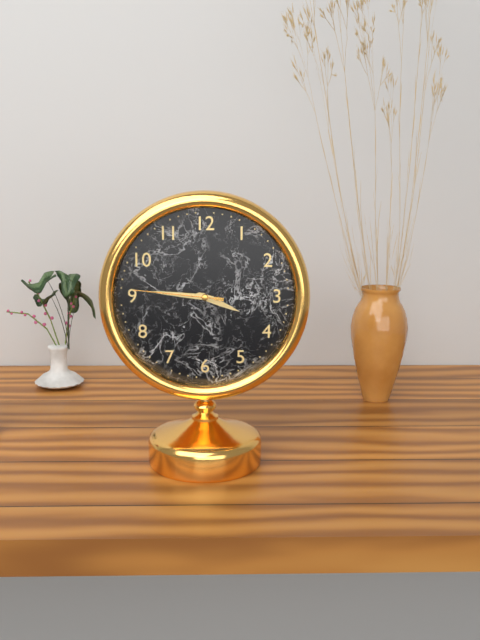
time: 3:46:46
